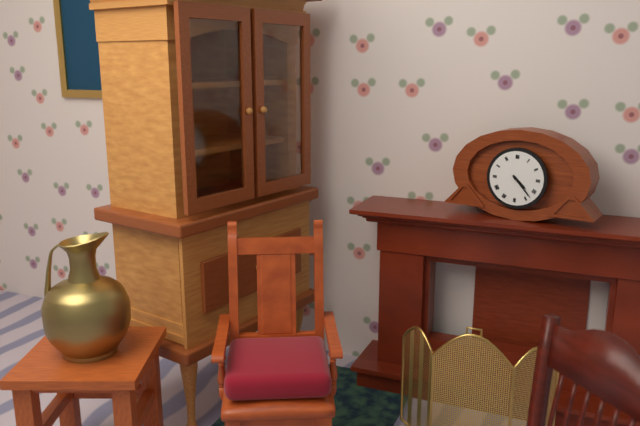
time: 4:23
